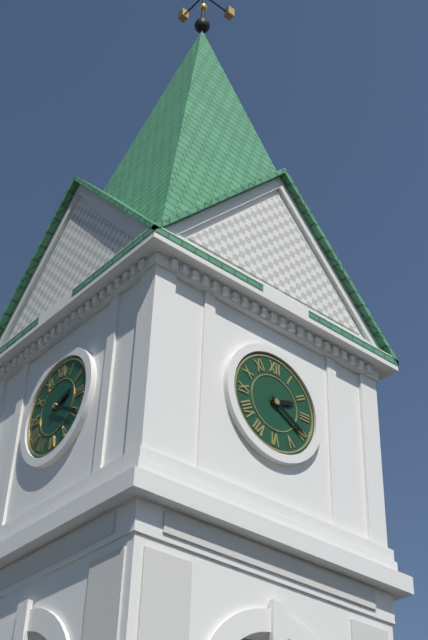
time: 2:20
